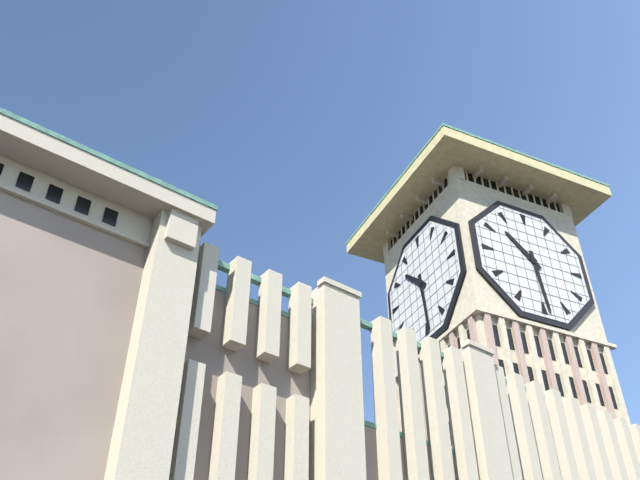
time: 10:29
